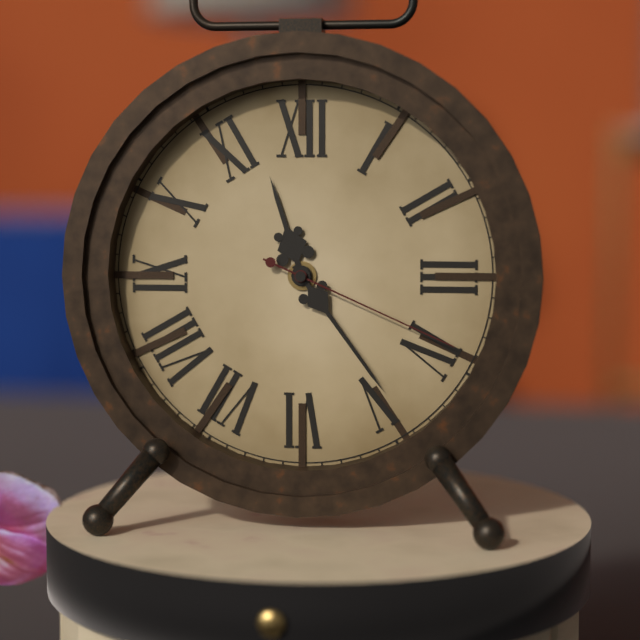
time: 11:24:19
